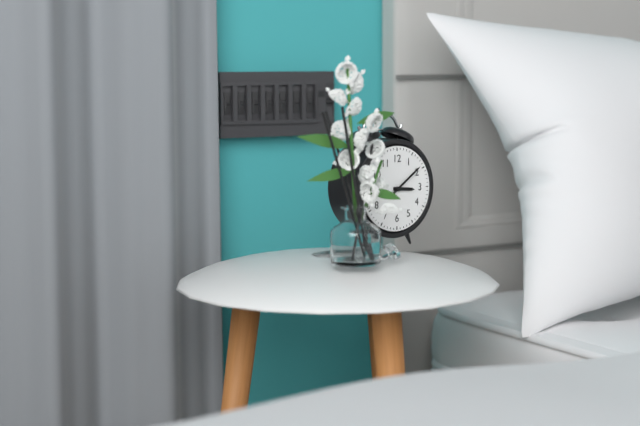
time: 3:09
